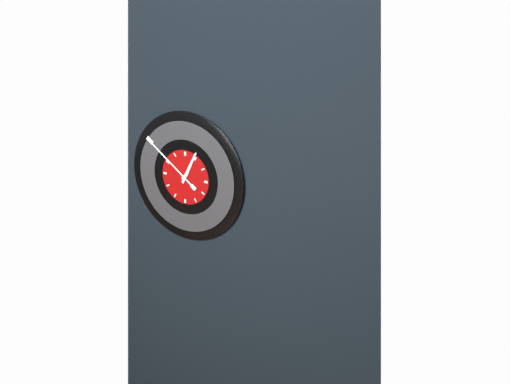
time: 12:51
